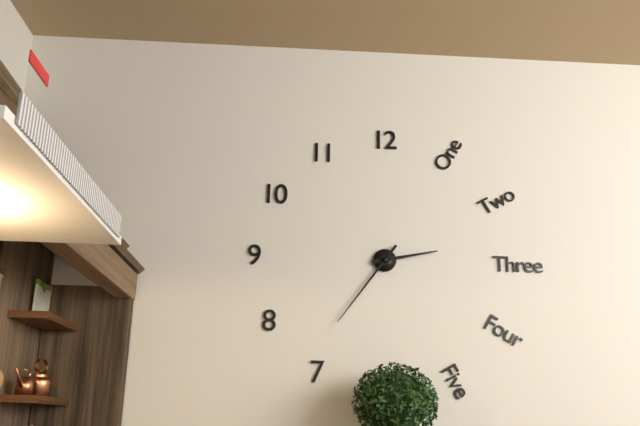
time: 2:36
